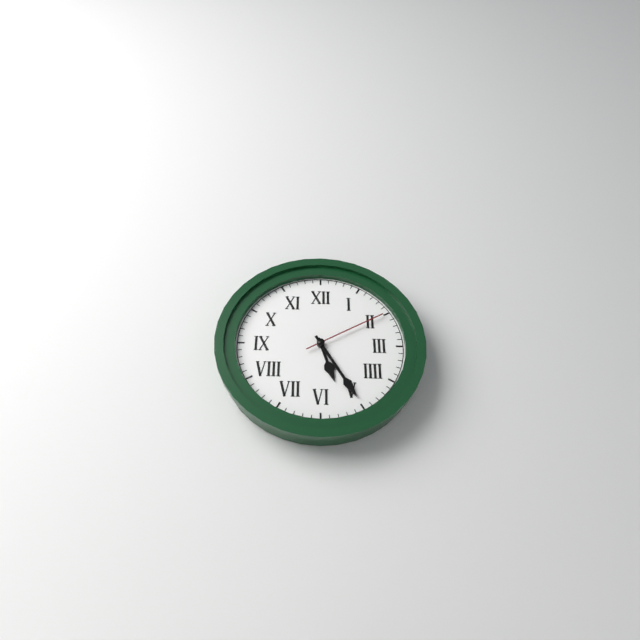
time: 5:25:10
